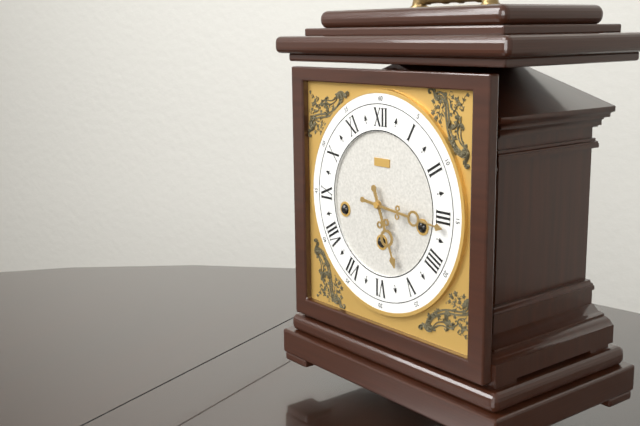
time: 5:16
